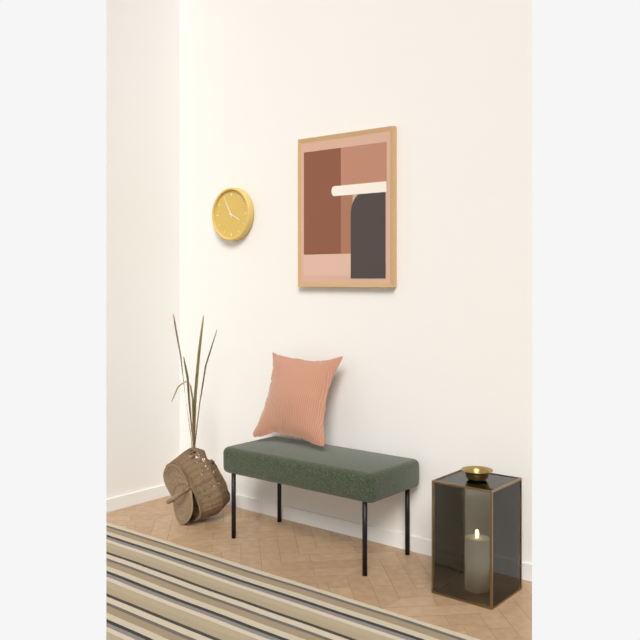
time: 3:55
